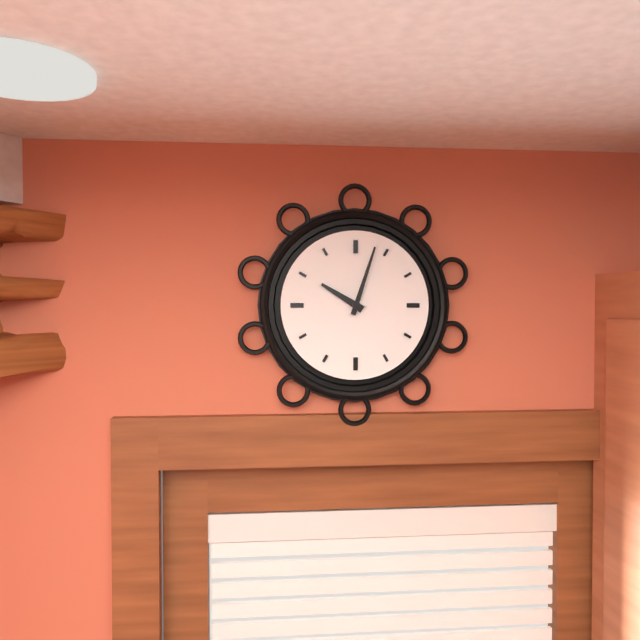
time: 10:03
